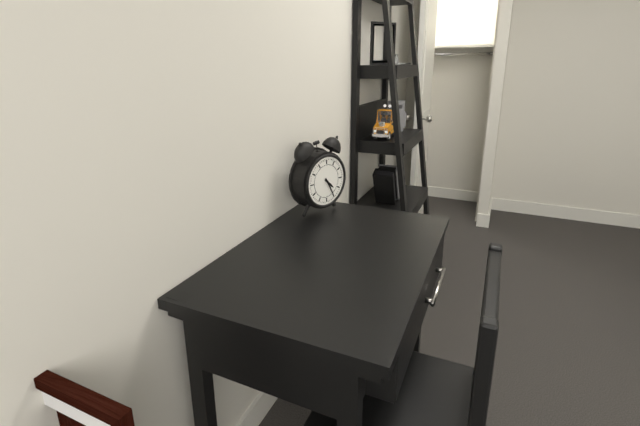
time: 4:25
